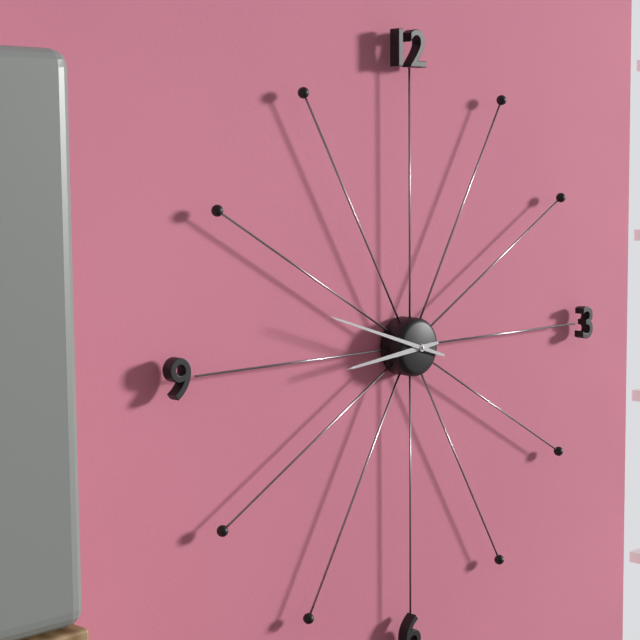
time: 8:48
